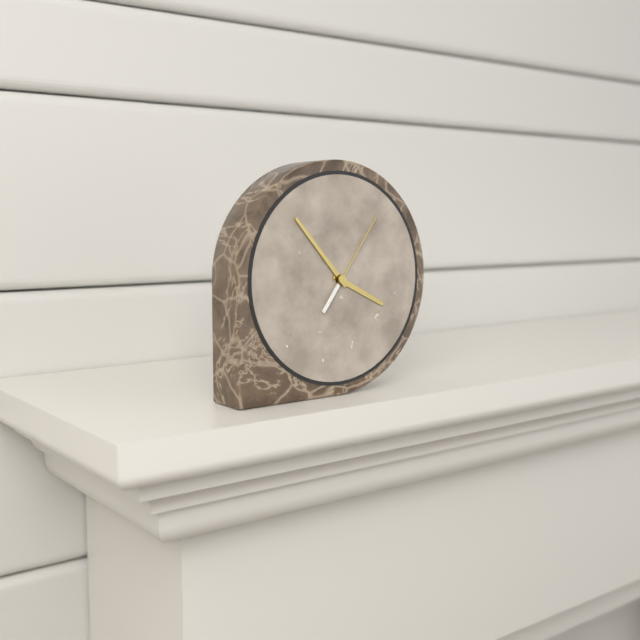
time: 3:53:06
